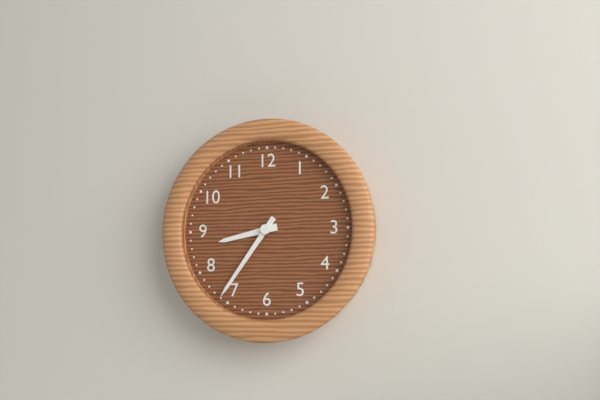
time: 8:36
